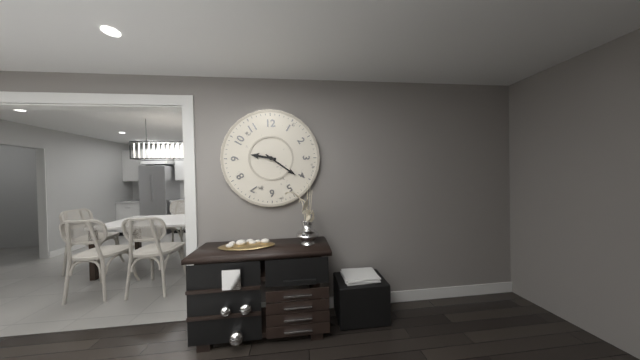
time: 9:21
